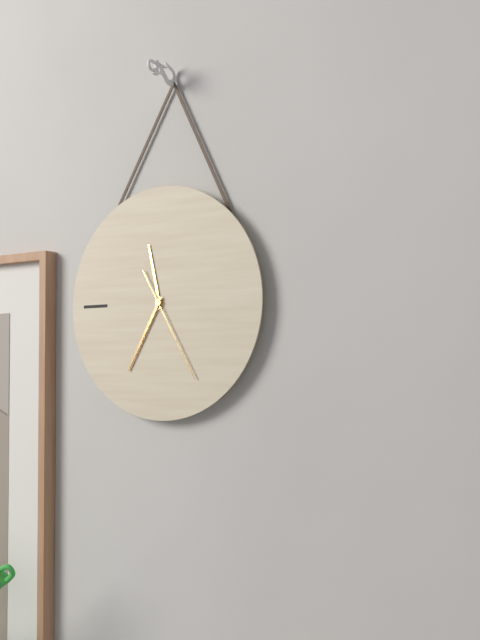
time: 11:35:25
